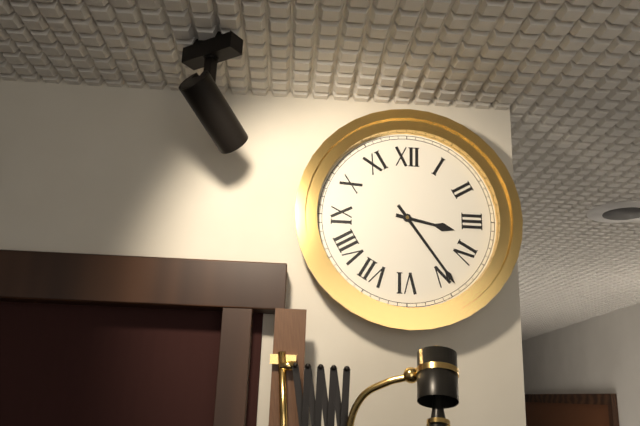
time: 3:24
